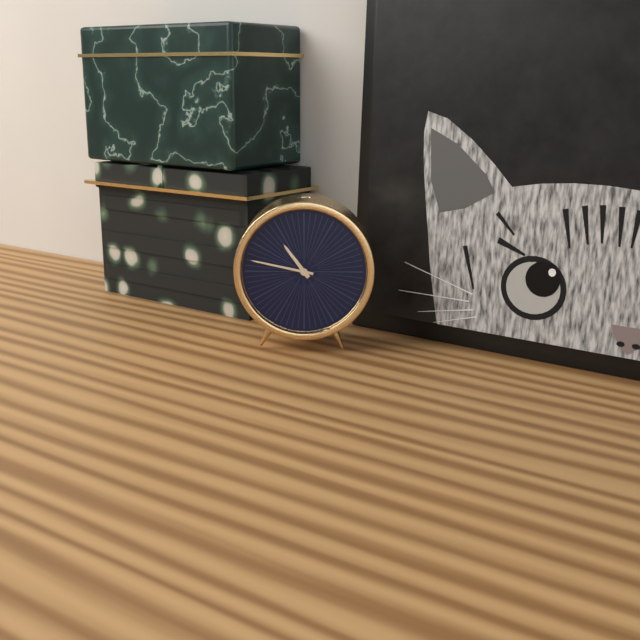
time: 10:47
